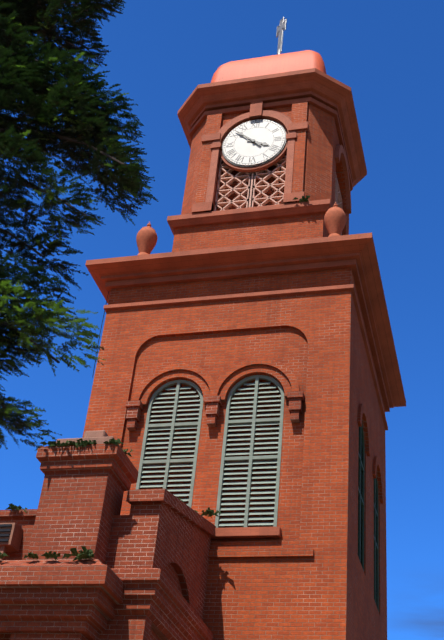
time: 3:52
